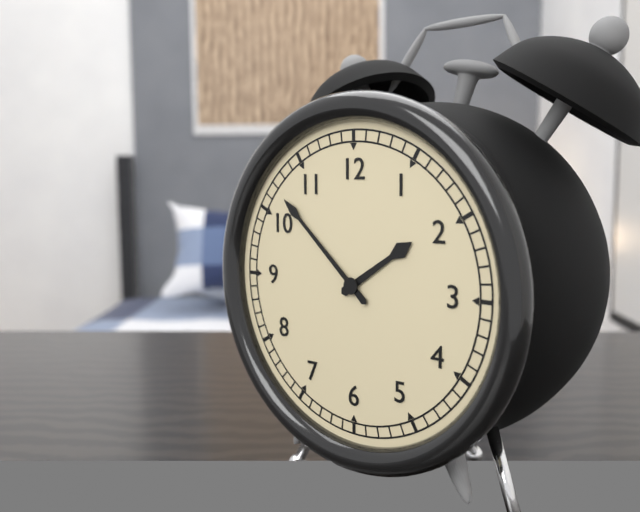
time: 1:52
